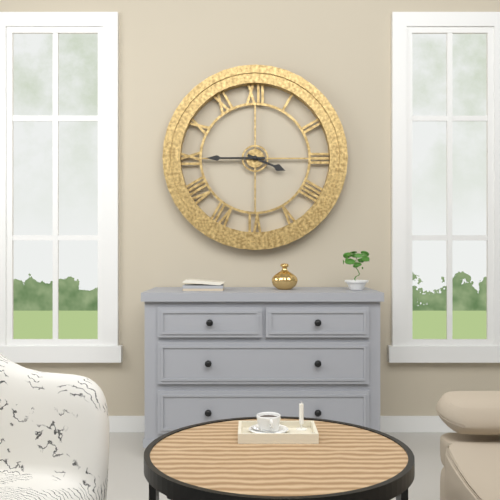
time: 3:45
